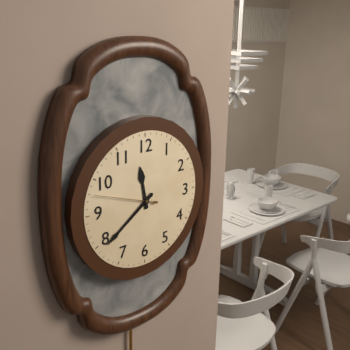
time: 11:39:48
